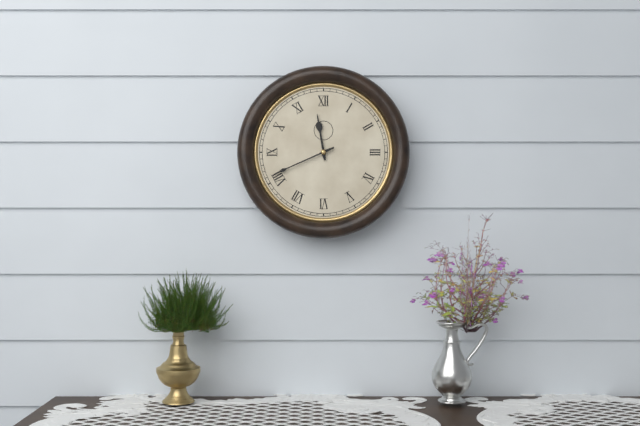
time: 11:41
